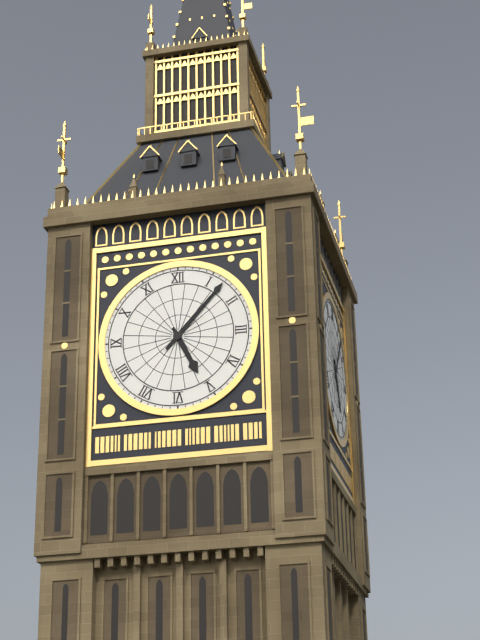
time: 5:07
